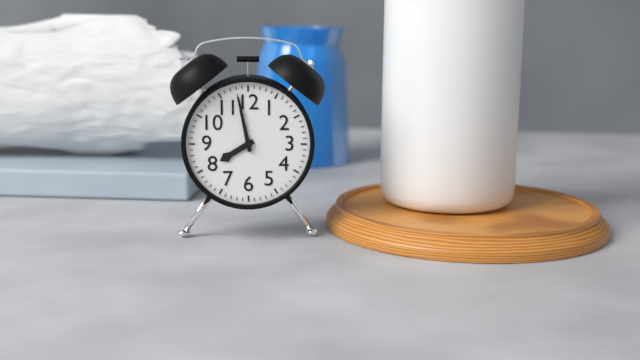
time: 7:58
